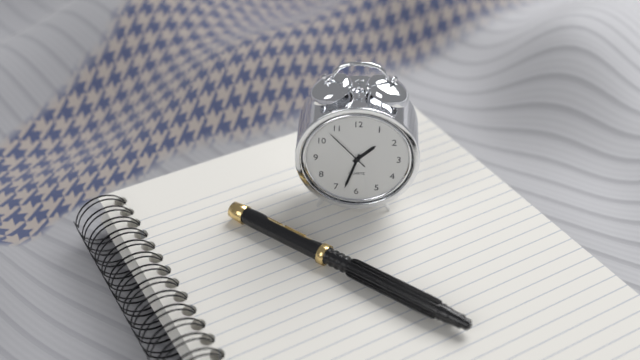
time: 1:33
